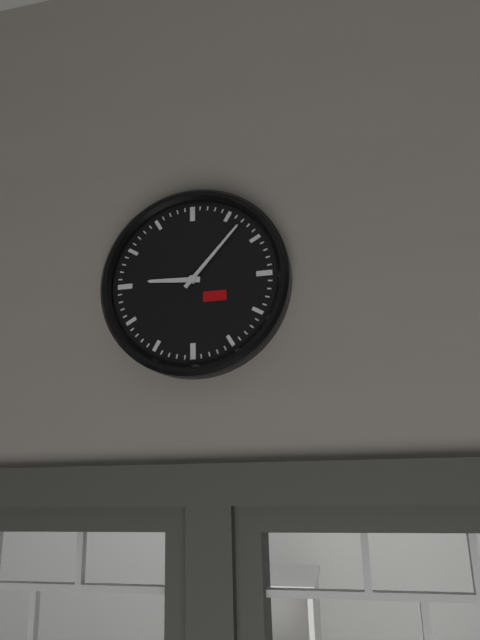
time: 9:07
